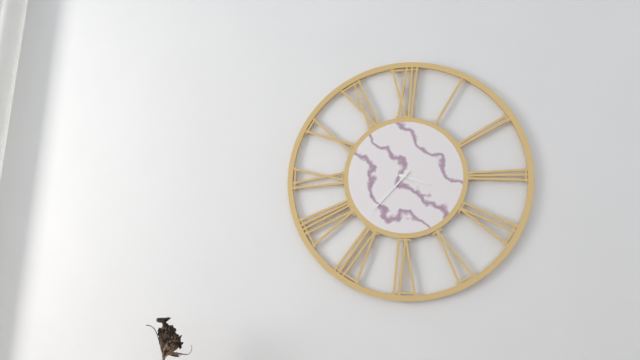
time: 3:37
